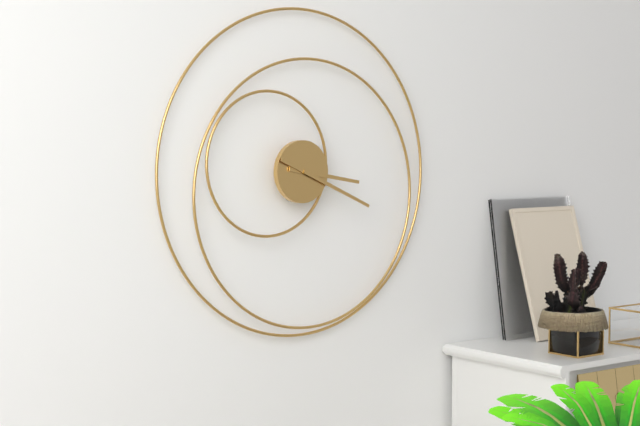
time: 3:19
